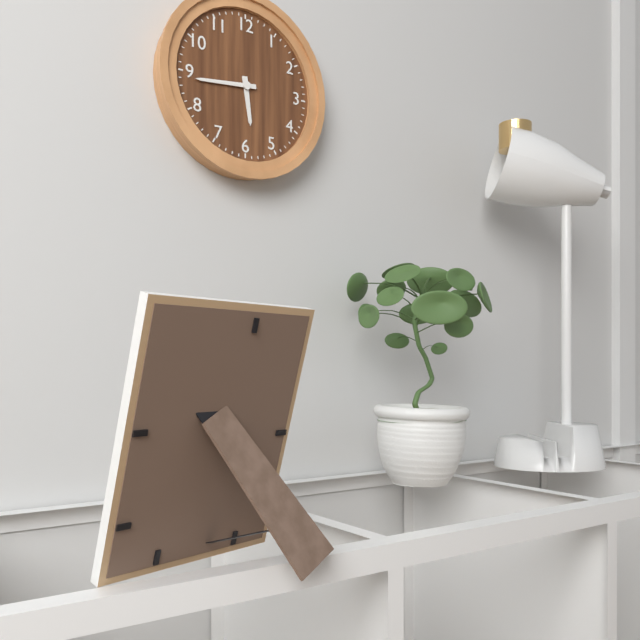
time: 5:44
